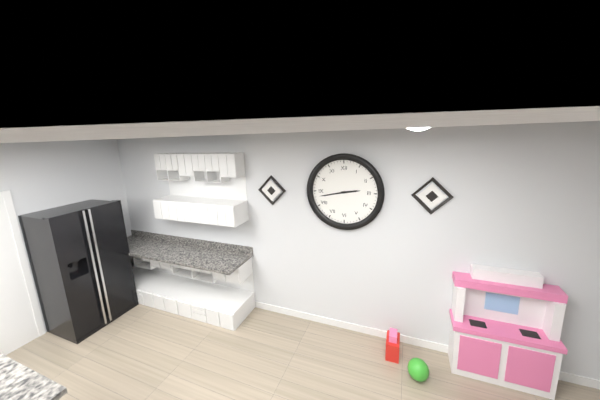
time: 2:43
